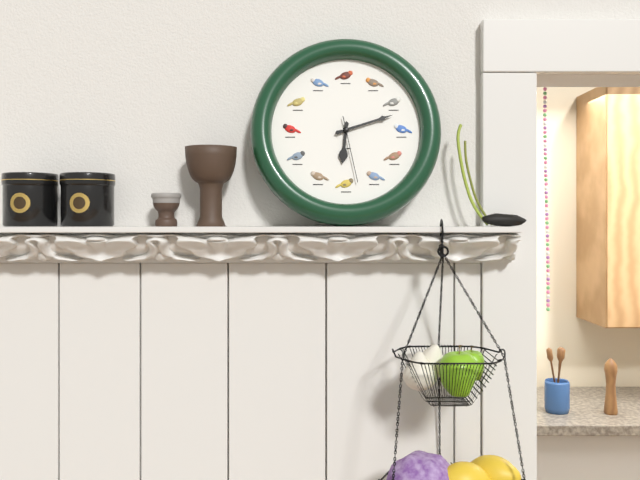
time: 6:12:28
